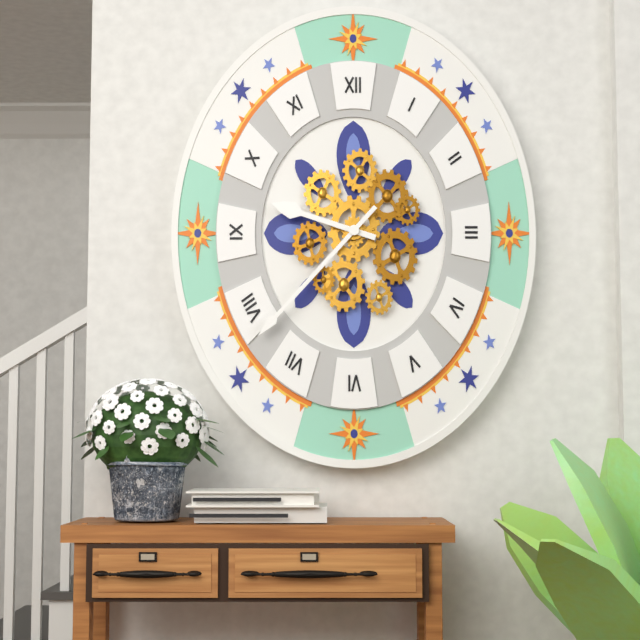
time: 9:37
